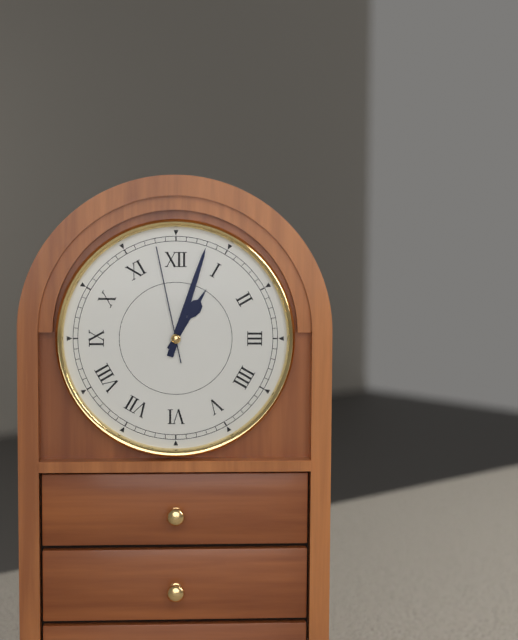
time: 1:03:58
